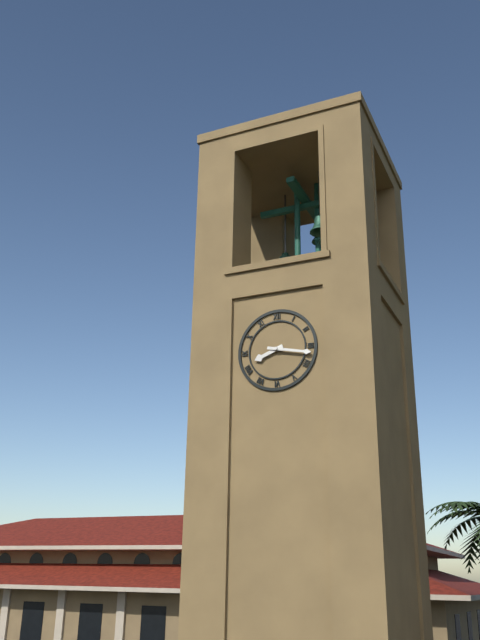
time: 8:17
